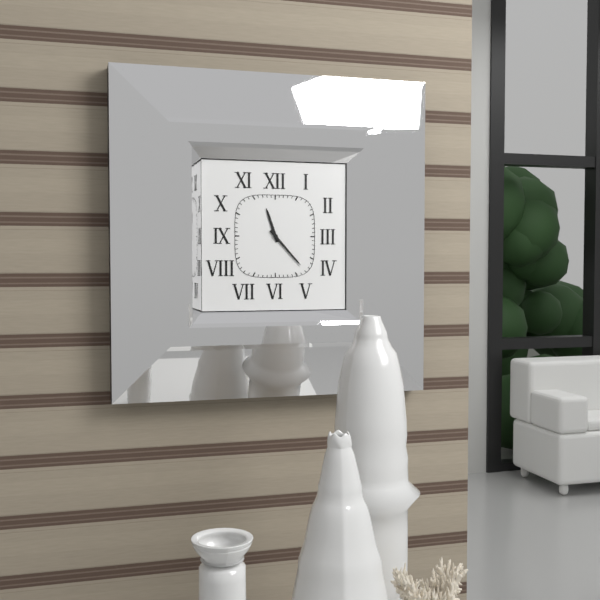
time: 11:23
